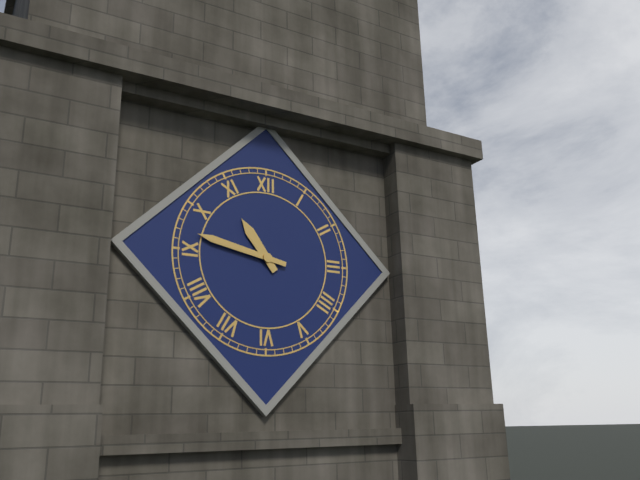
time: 10:47
